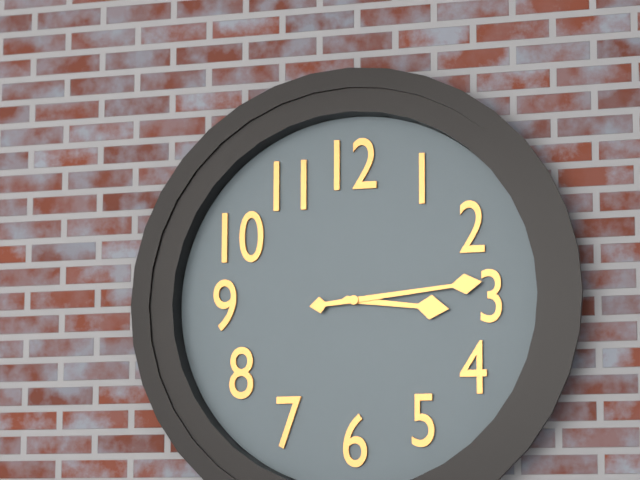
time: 3:14
